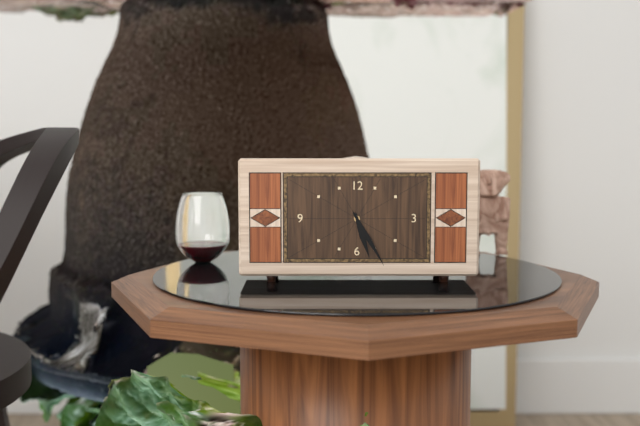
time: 5:25
